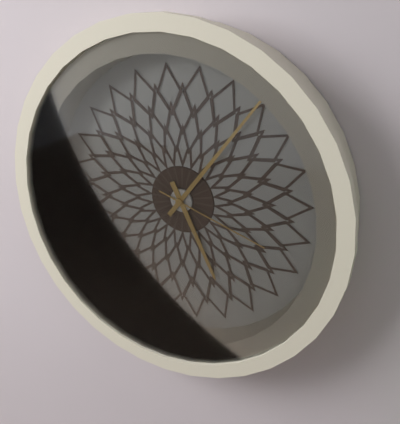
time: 5:06:18
